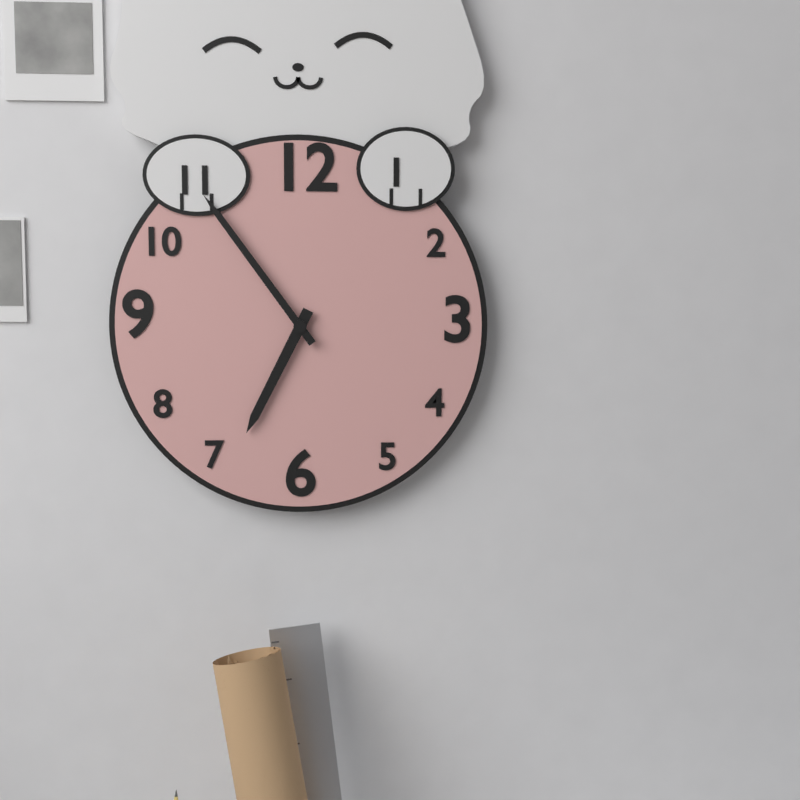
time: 6:54
